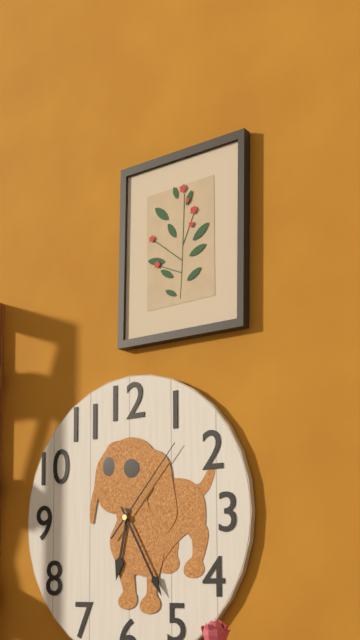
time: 6:25:07
